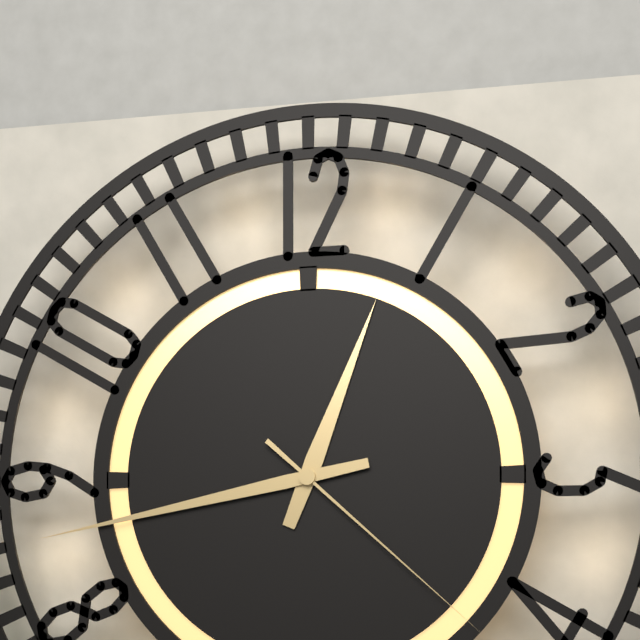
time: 12:43:22
